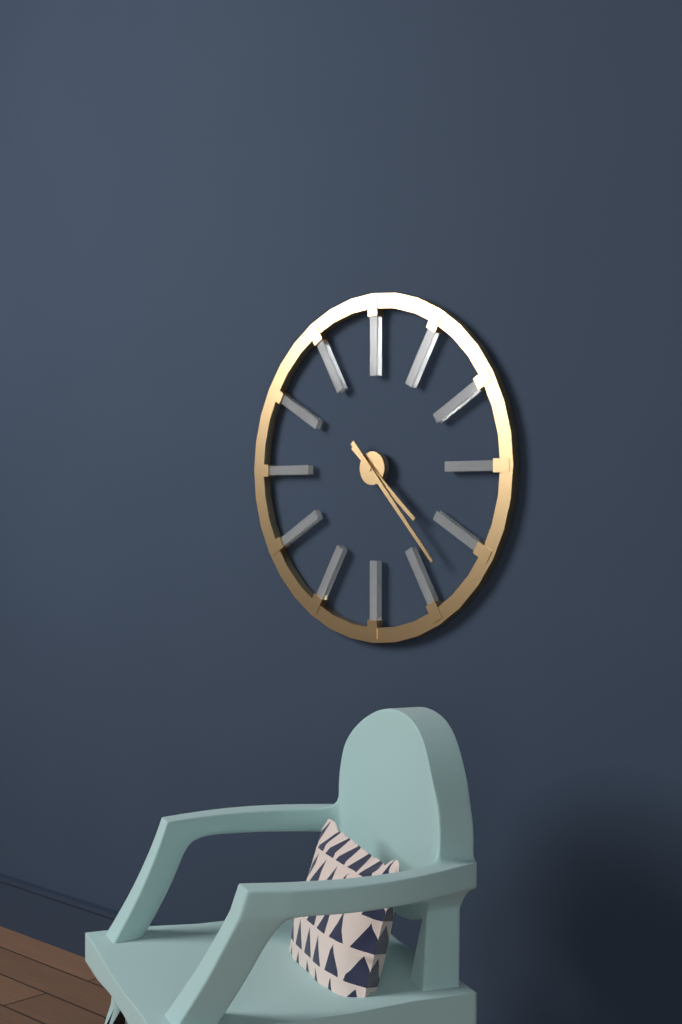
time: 4:23
